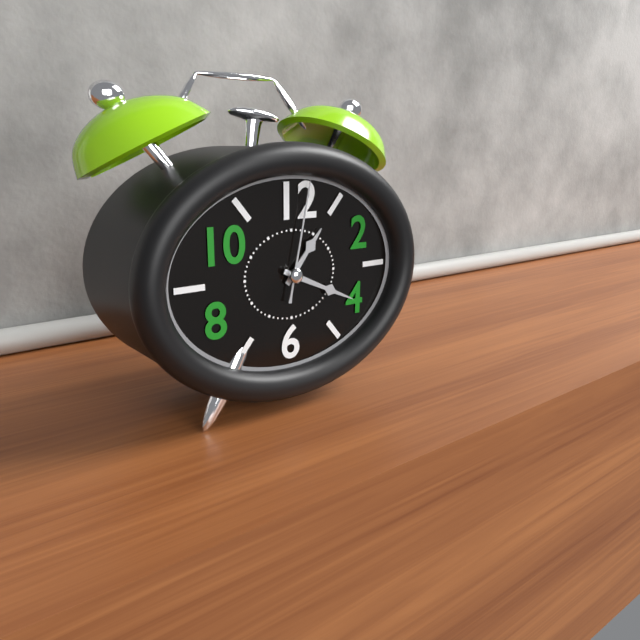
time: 1:19:02
